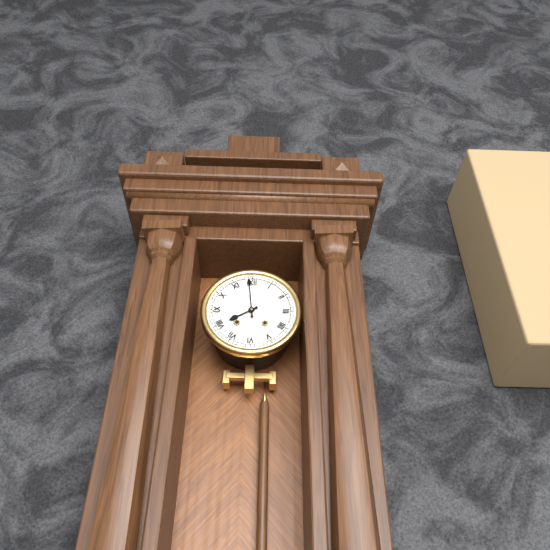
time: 7:59
